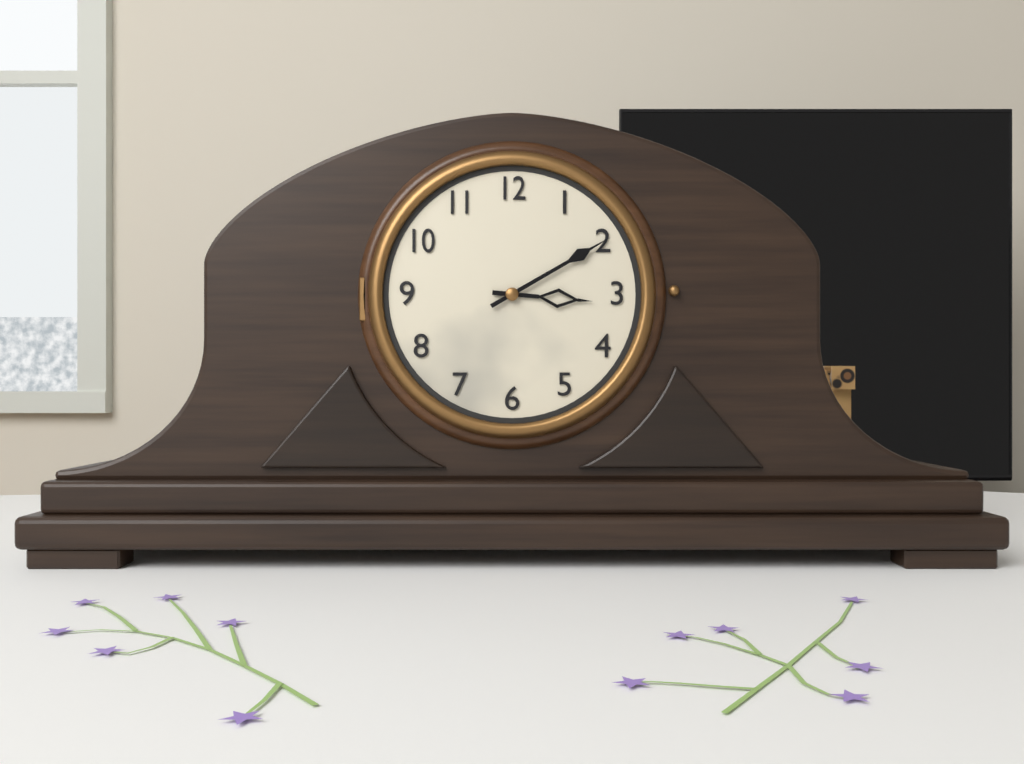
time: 3:10
